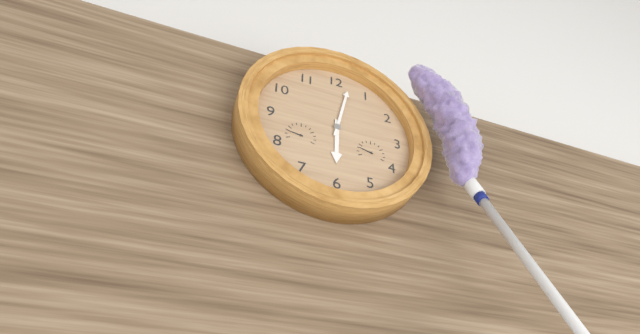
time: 6:02
